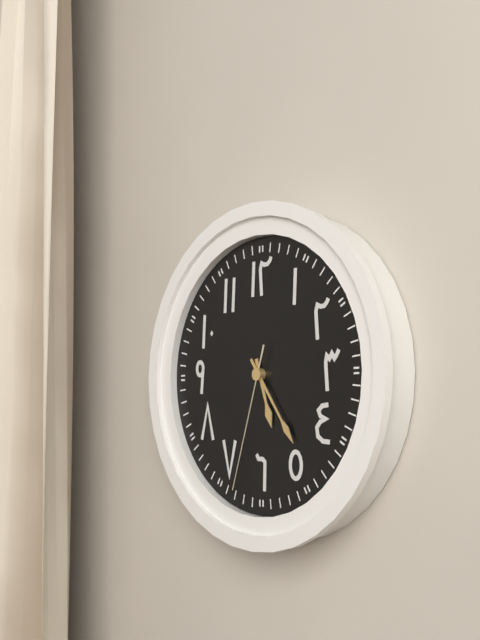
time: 5:24:33
